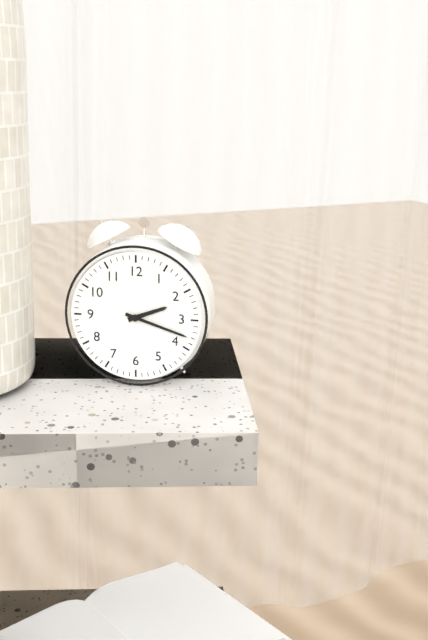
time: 2:18
